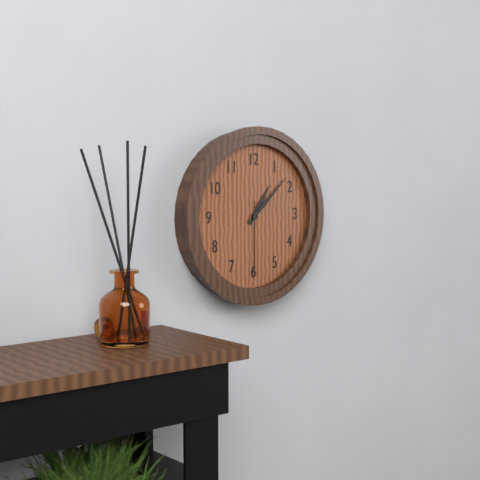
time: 1:08:30
